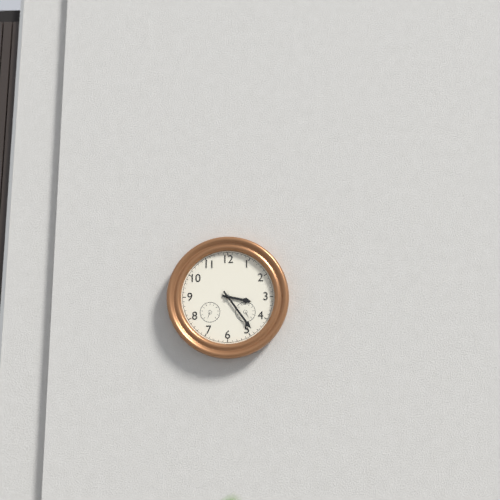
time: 3:24
